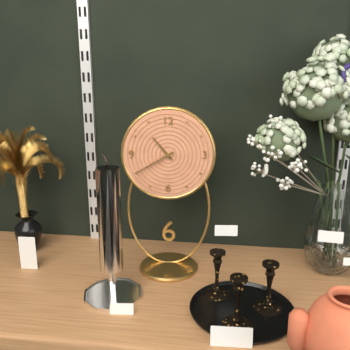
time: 10:40
